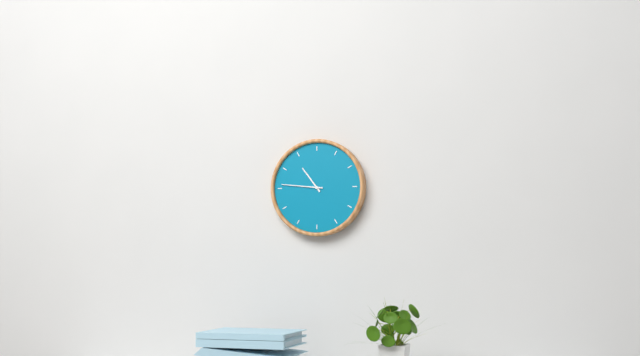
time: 10:46
